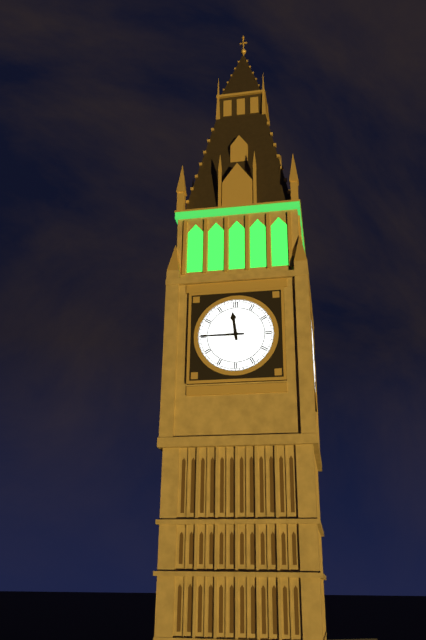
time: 11:45
